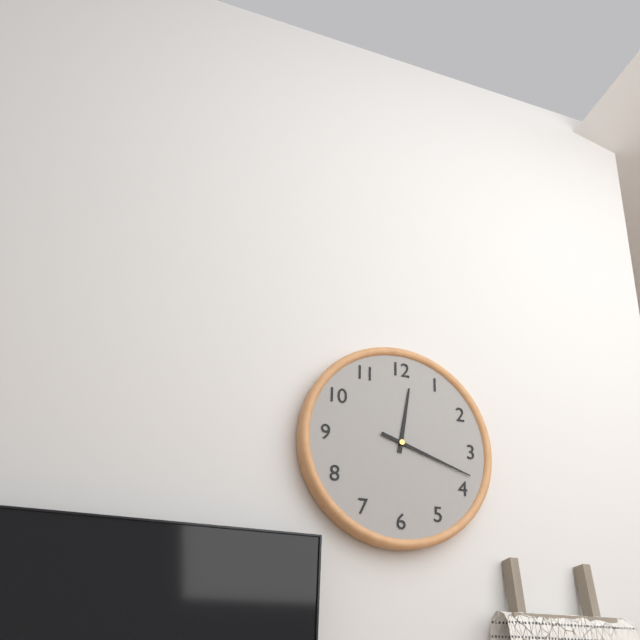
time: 12:18
